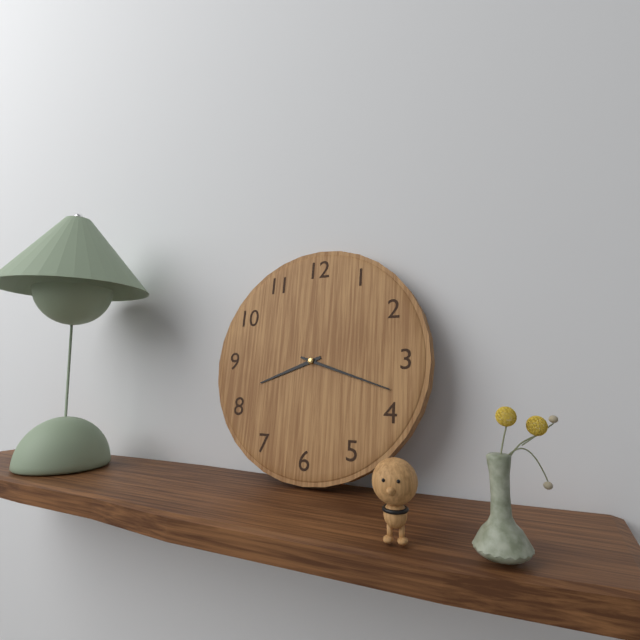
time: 8:18
